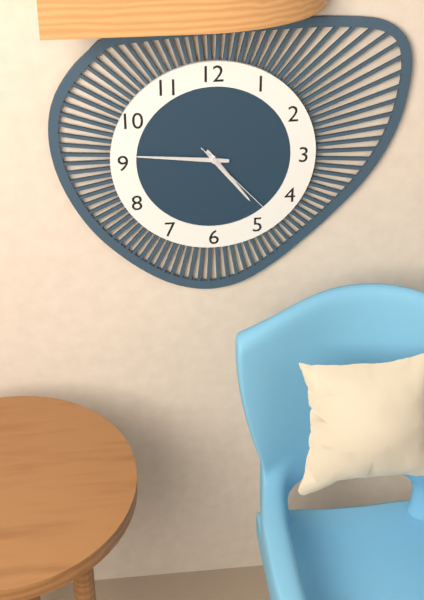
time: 4:46:23
